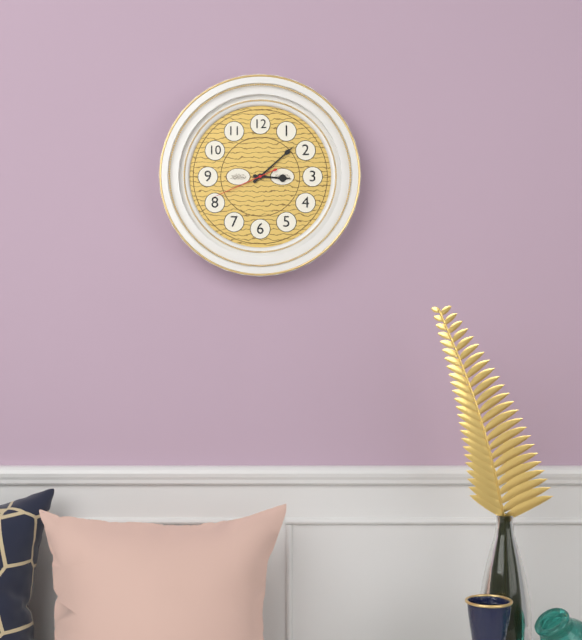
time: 3:08:41
